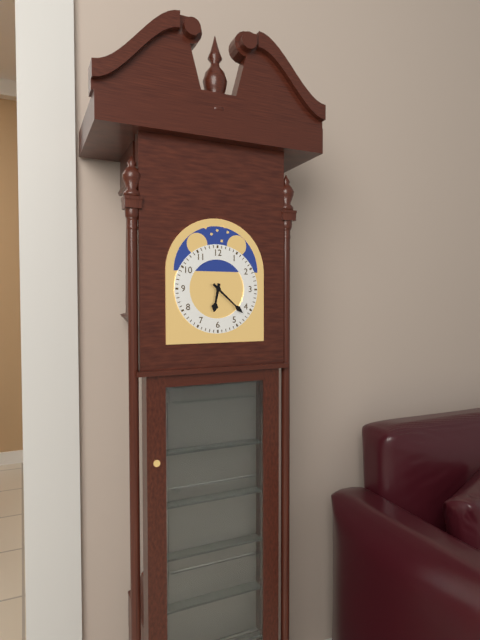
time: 6:22
